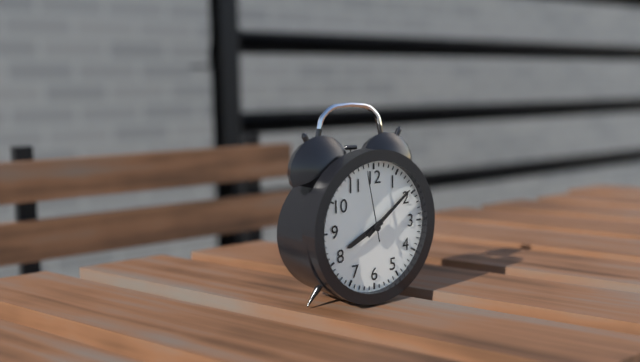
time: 8:09:58
